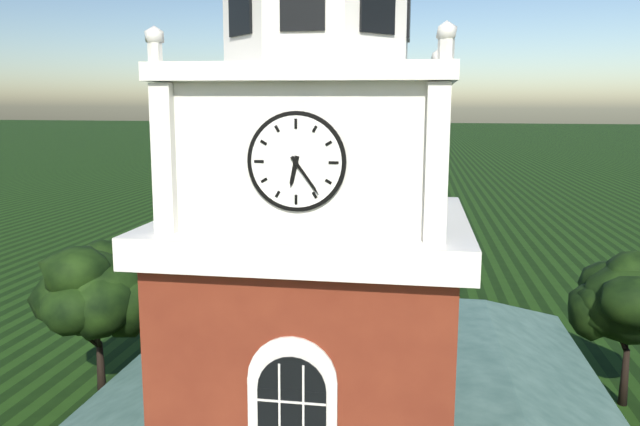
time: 6:24
